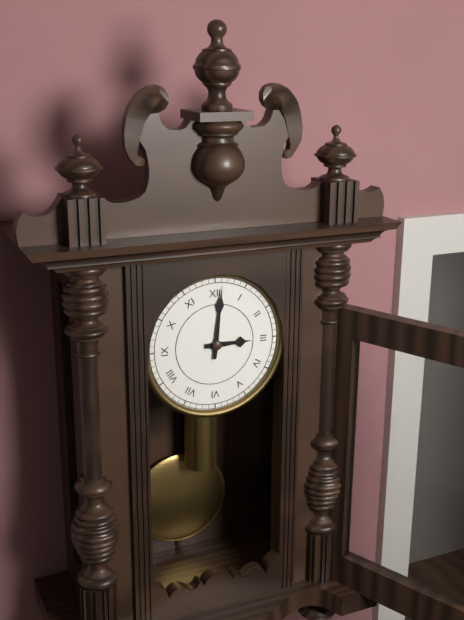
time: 3:01
